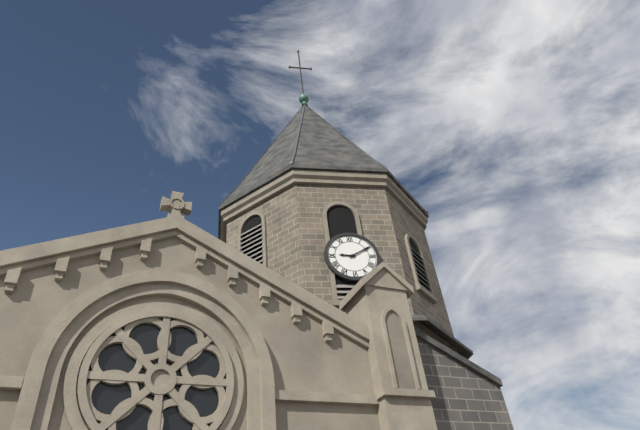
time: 9:10
